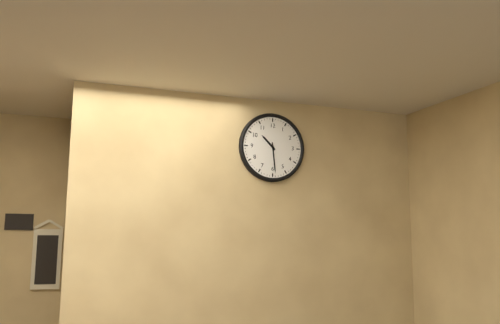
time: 10:29
